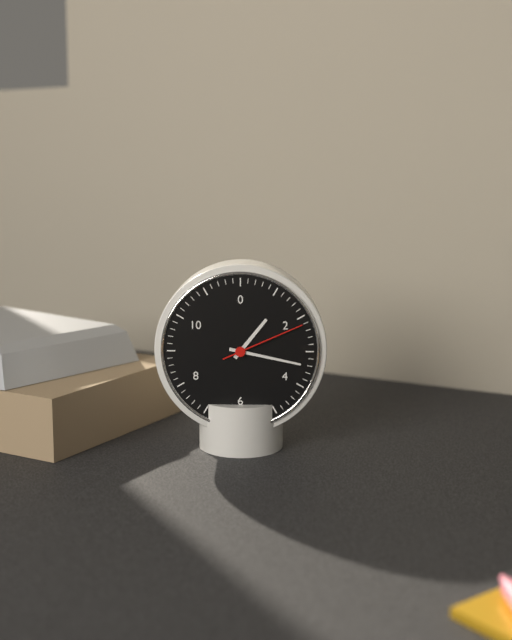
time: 1:17:11
